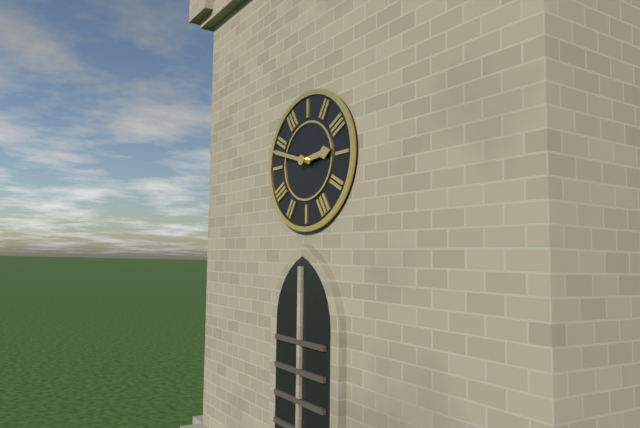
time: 2:48
